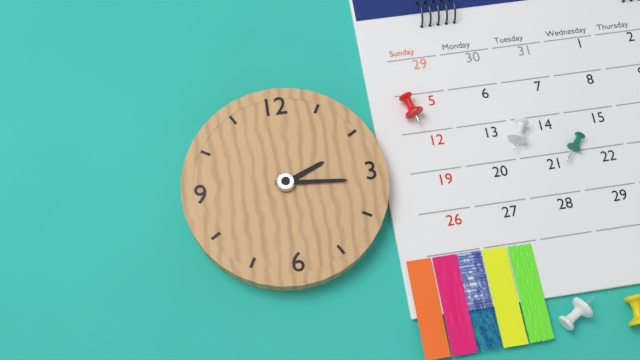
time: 2:16
